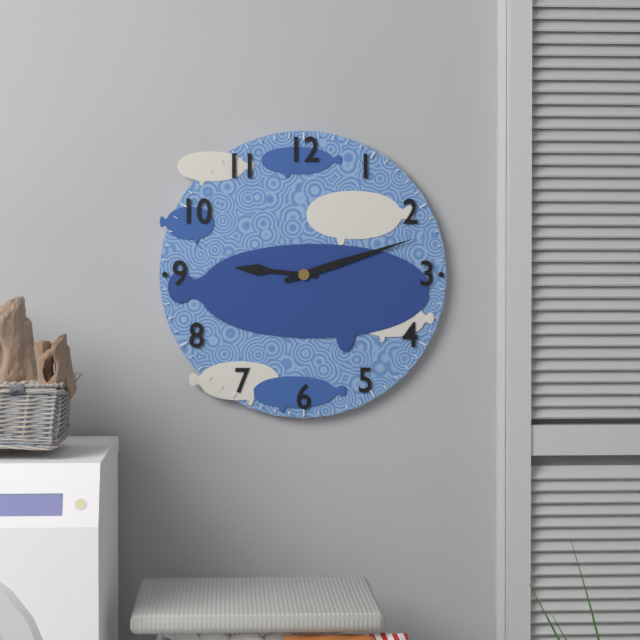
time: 9:12
